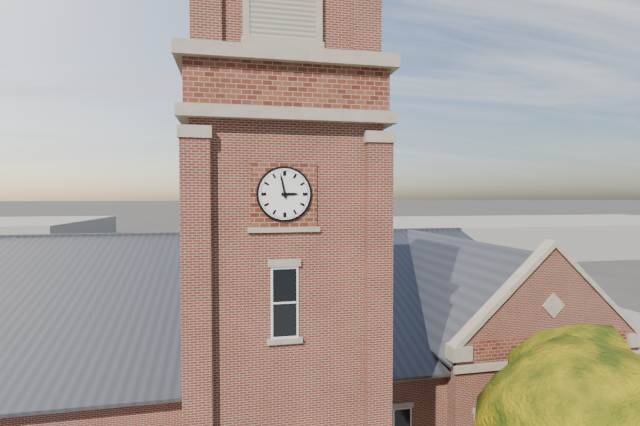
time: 2:58
